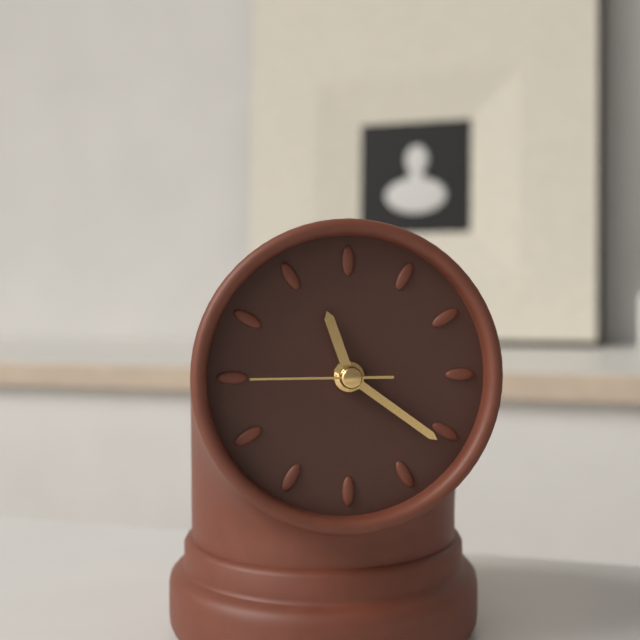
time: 11:21:45
